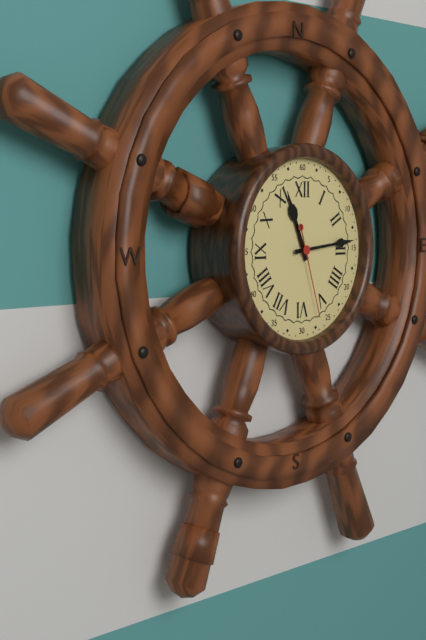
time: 11:14:27
